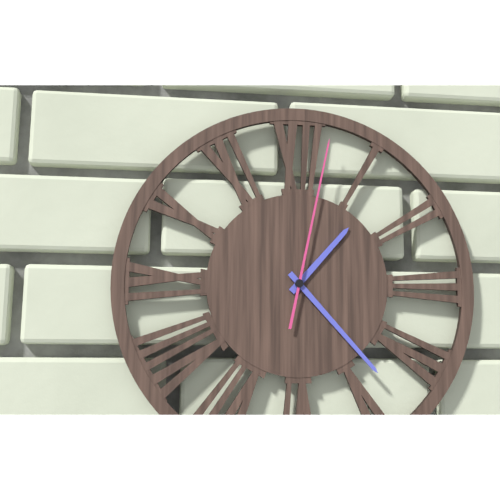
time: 1:23:02
